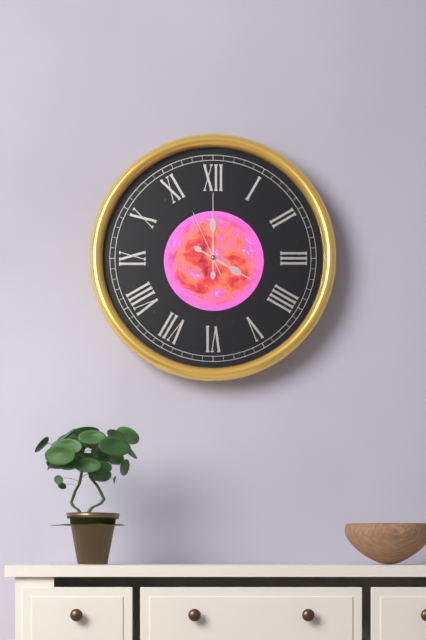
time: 4:00:56
